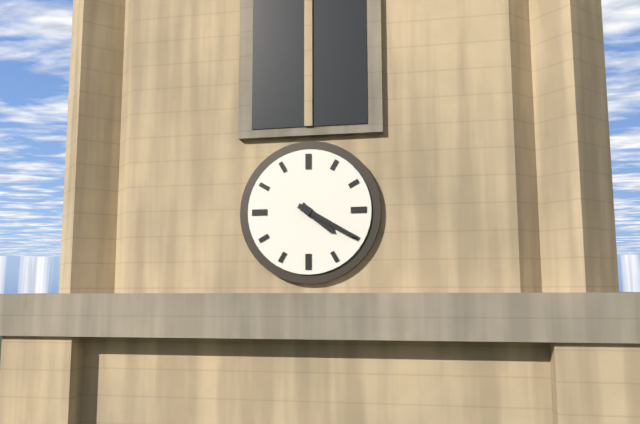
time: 4:20
